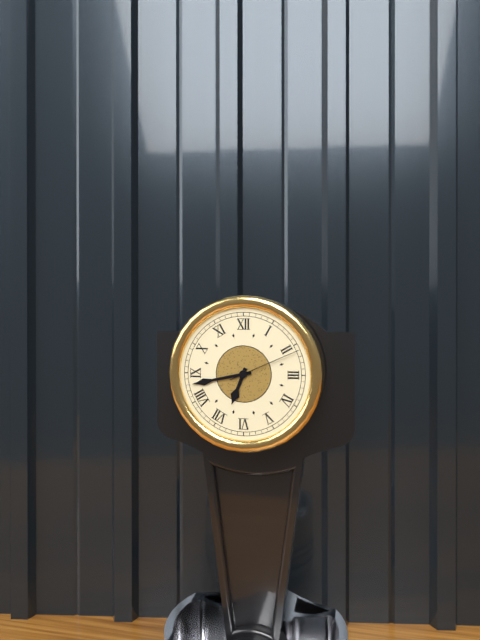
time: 6:43:11
